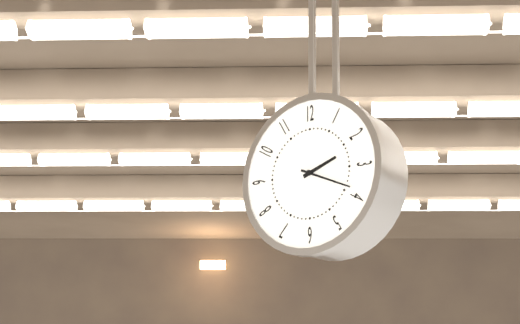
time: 2:19
